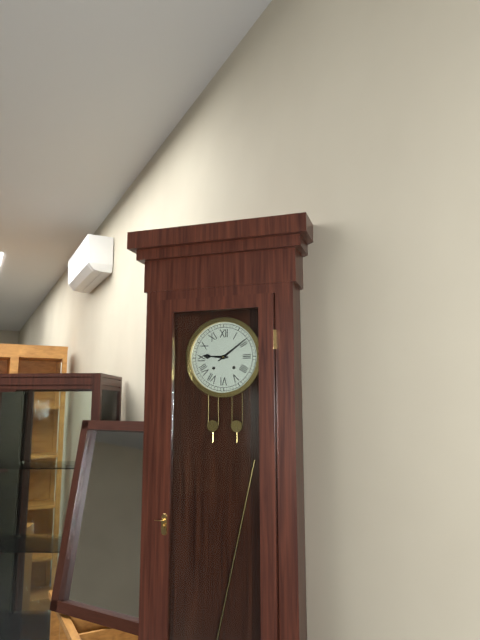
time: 9:09
